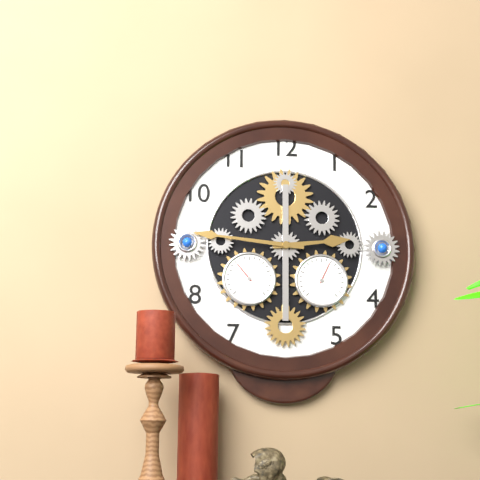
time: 2:46
